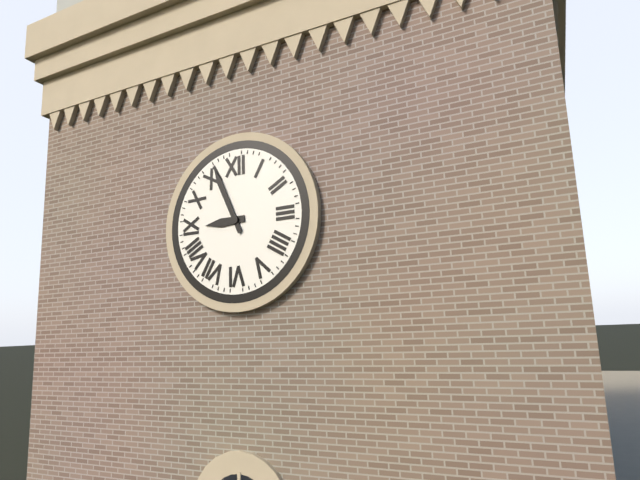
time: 8:56
